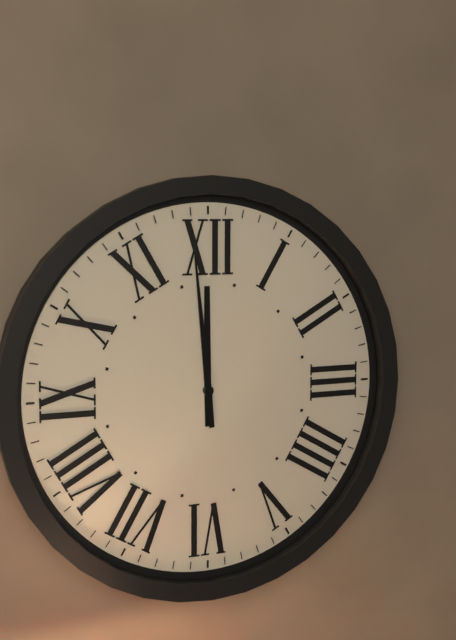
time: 11:59
